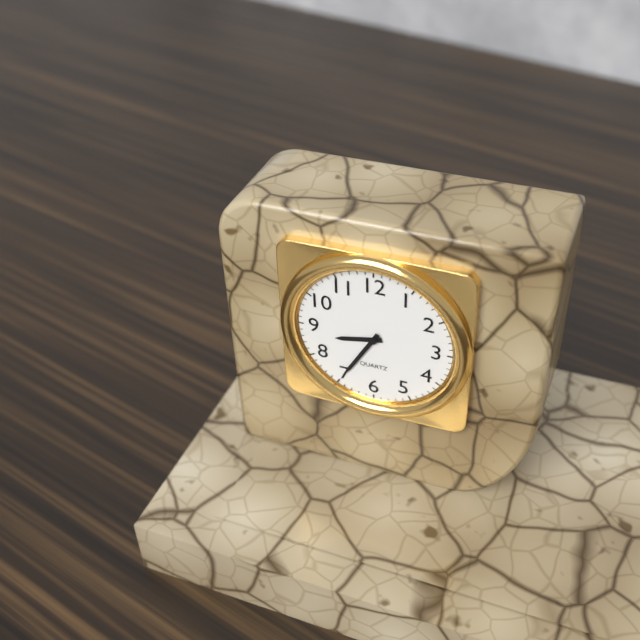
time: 8:35
